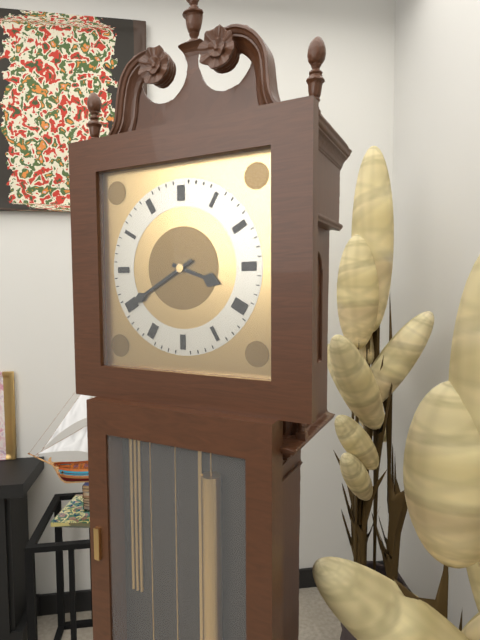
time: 3:40
